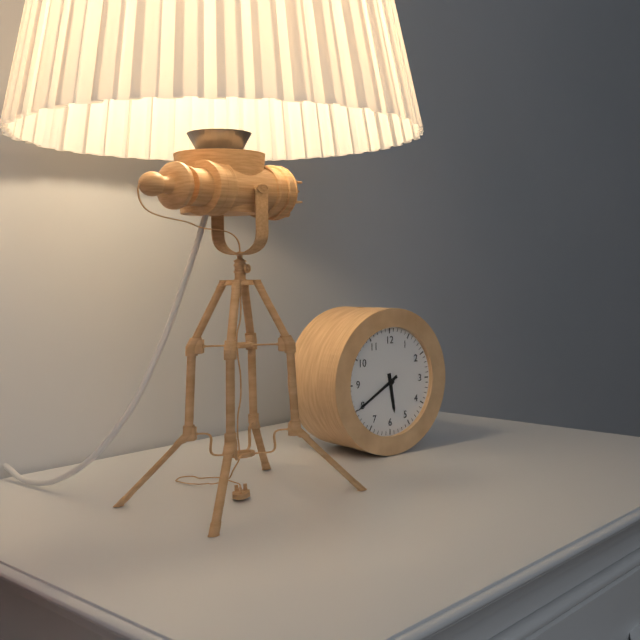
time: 5:40
